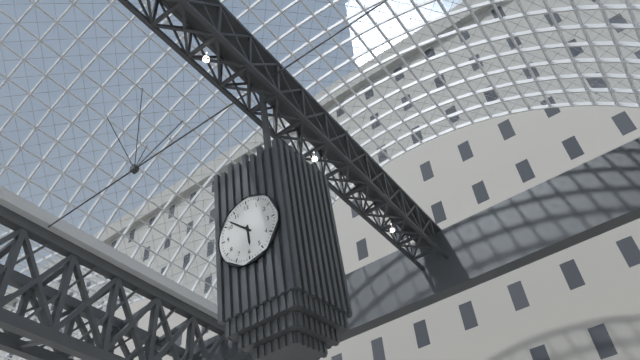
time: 5:52
